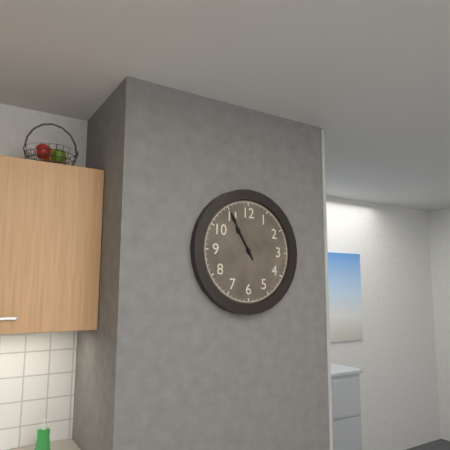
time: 10:55
